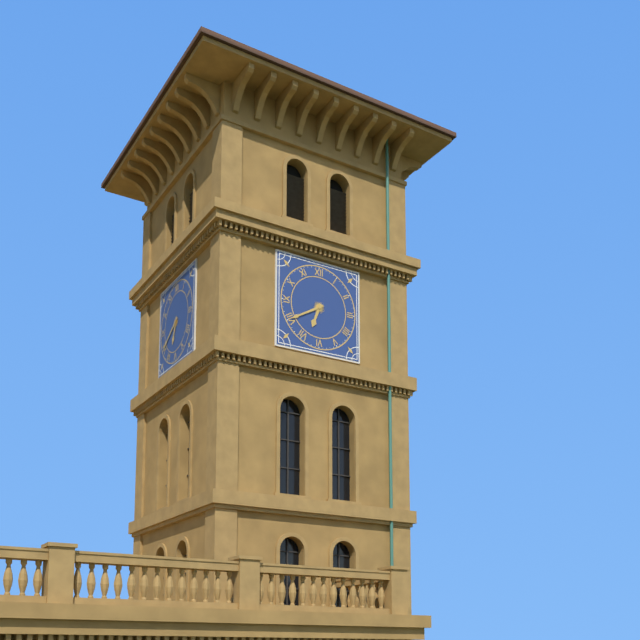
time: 6:40
